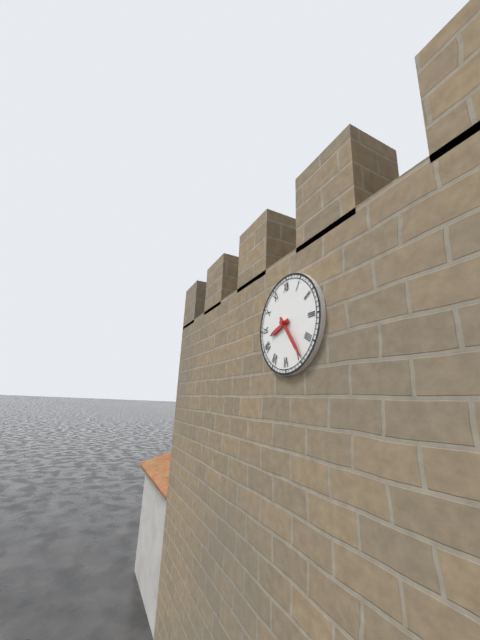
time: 8:24
